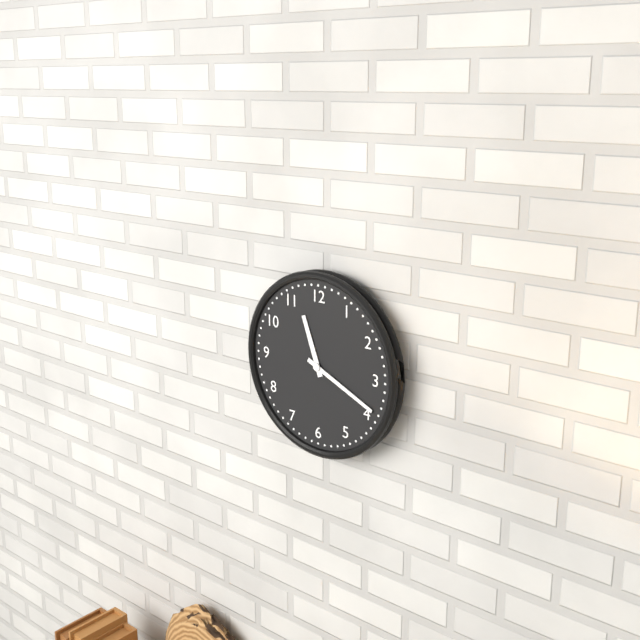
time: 11:19
